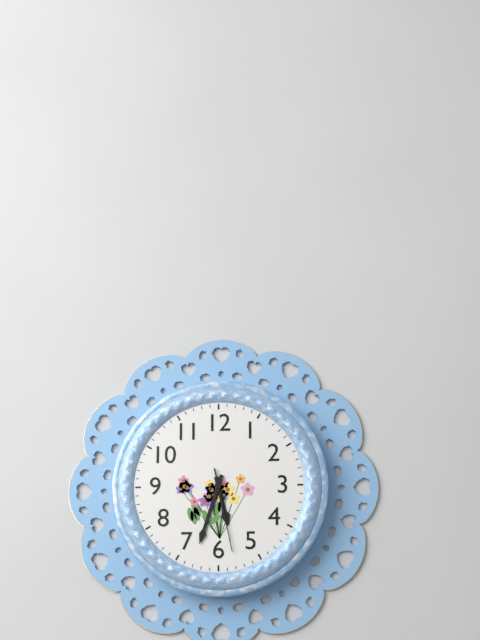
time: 5:33:28
